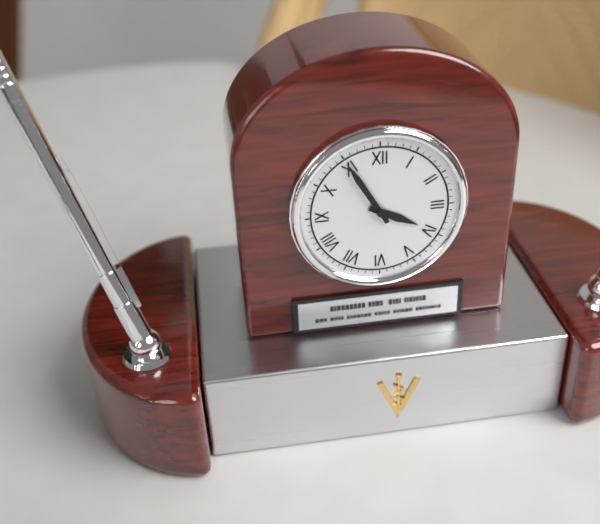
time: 3:55
